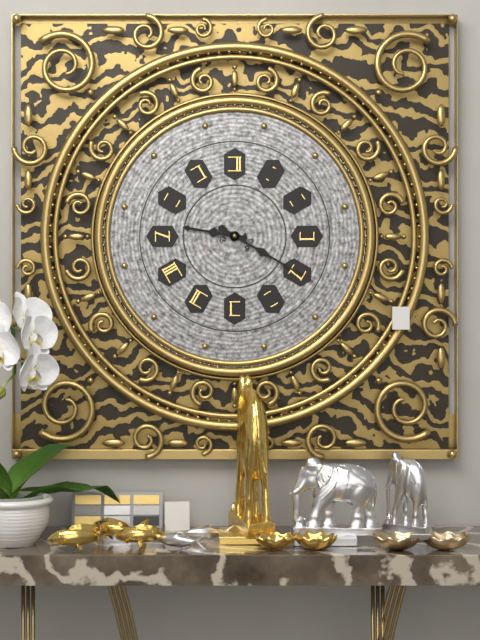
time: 9:20
